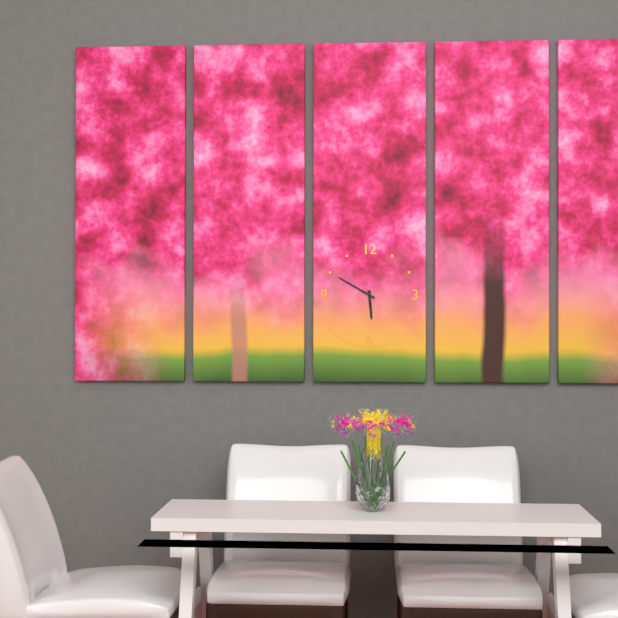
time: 5:50
